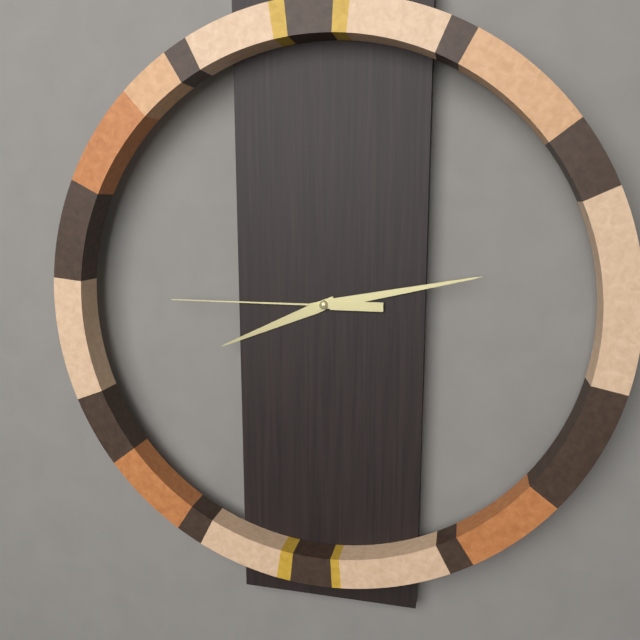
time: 8:13:45
